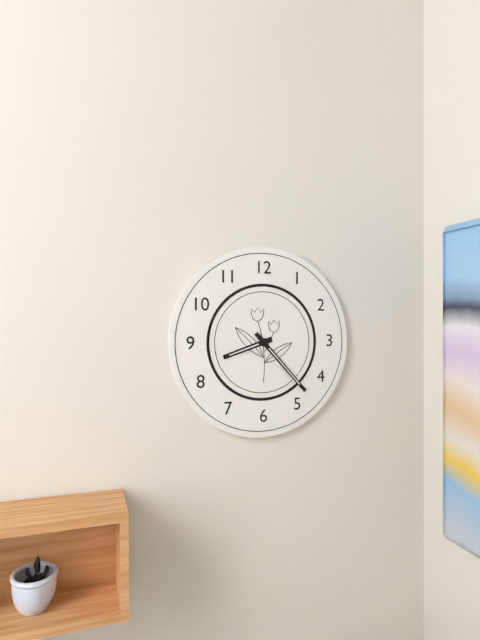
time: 8:23
